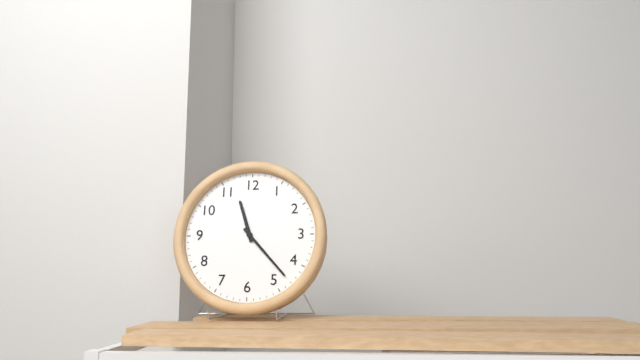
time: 11:23
